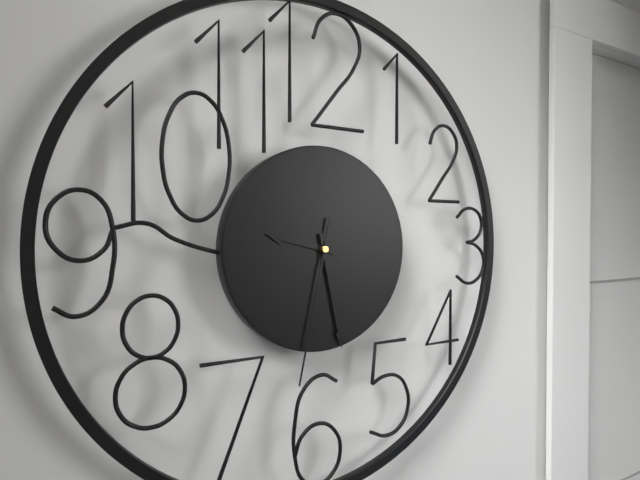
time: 9:28:32
